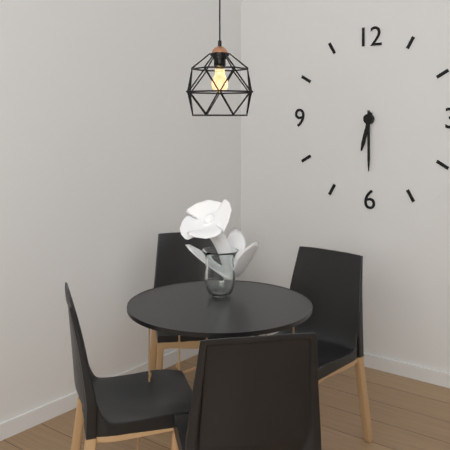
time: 6:30
